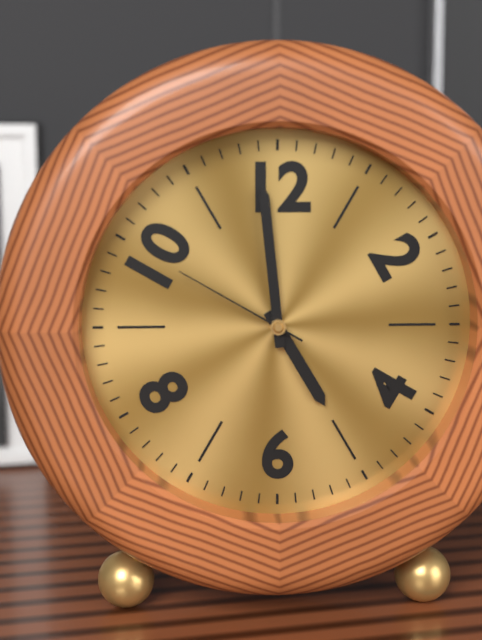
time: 4:59:50
